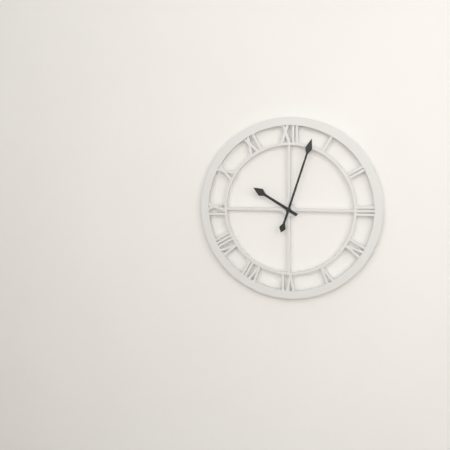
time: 10:03
